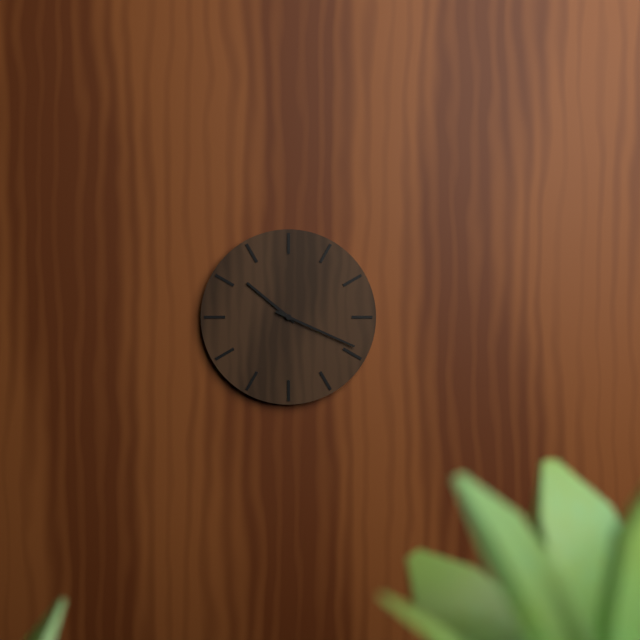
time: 10:19
